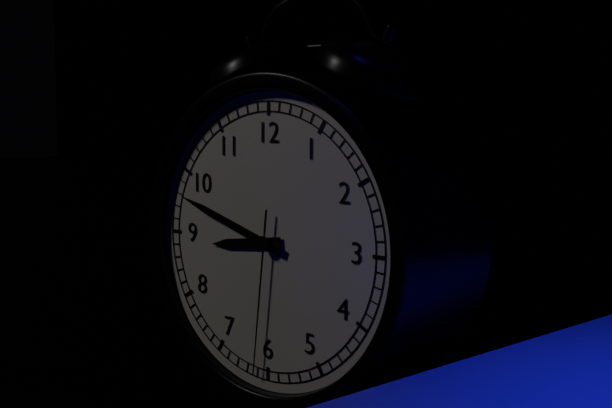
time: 8:48:31
